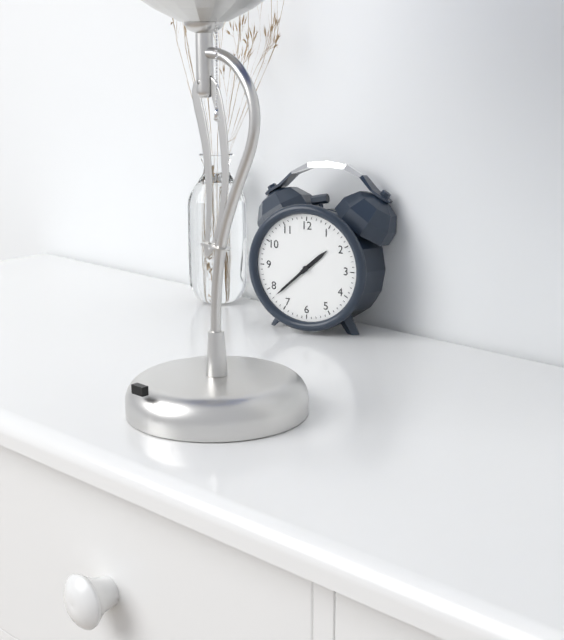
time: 1:38
